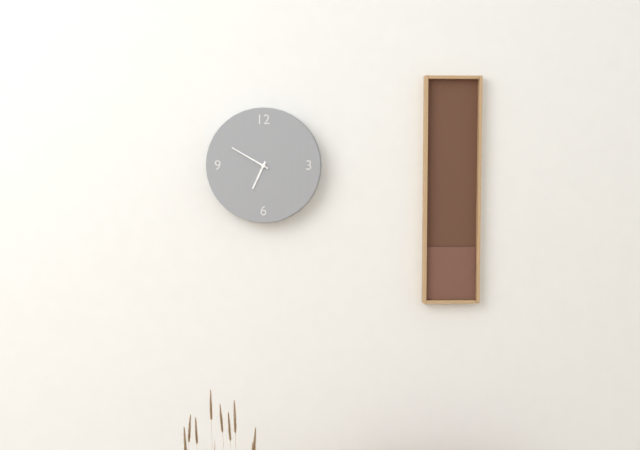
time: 6:50
